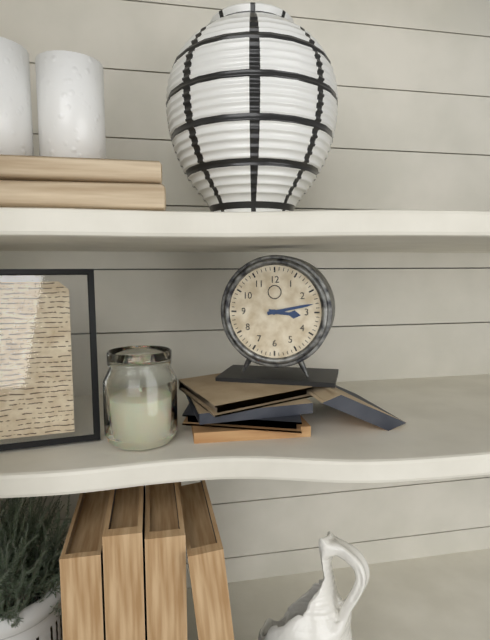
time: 3:13
